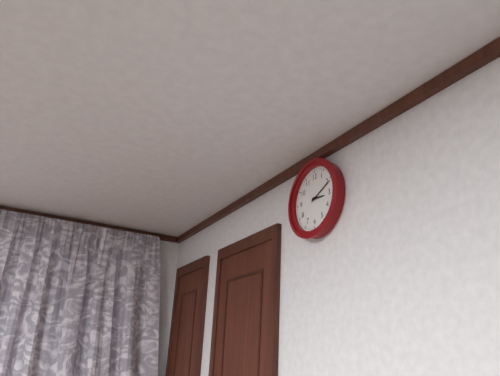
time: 3:11
